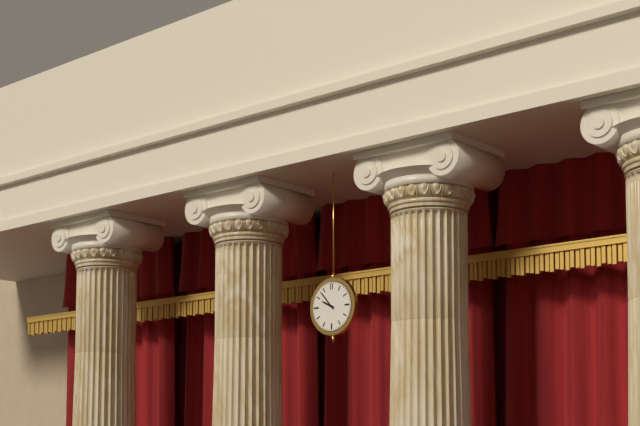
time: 9:53
